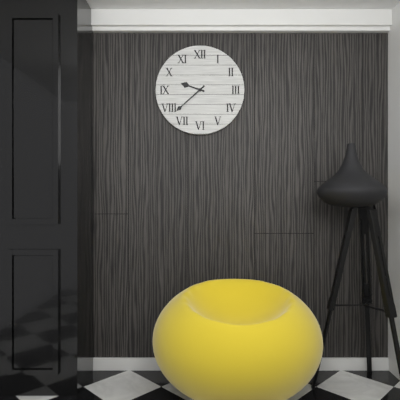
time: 9:38
